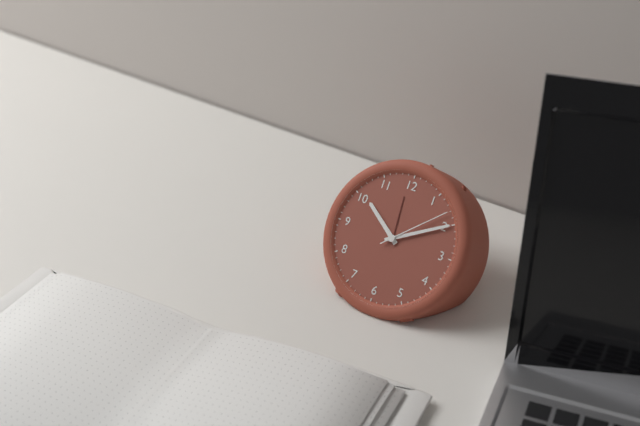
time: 10:10:08
